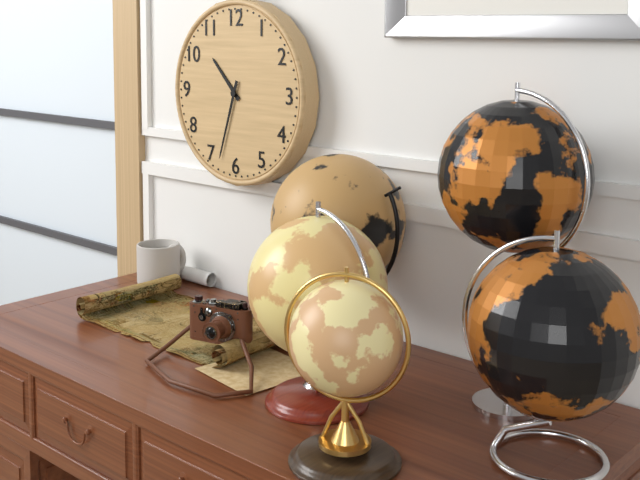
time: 10:33
